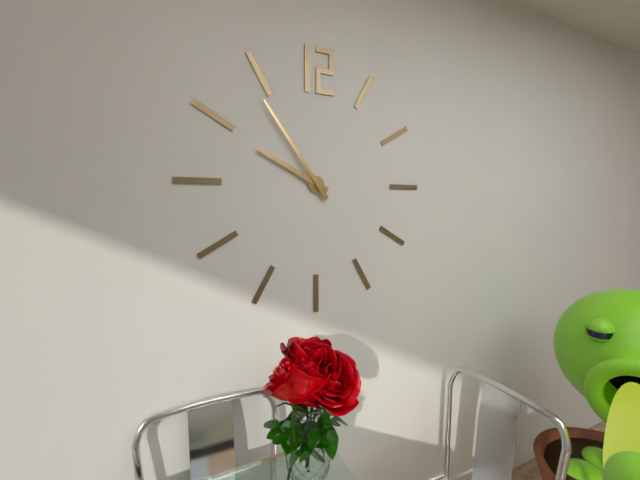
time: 9:54
